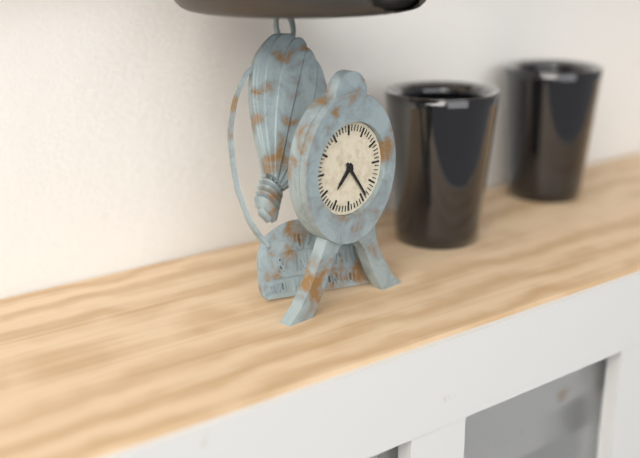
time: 7:24
